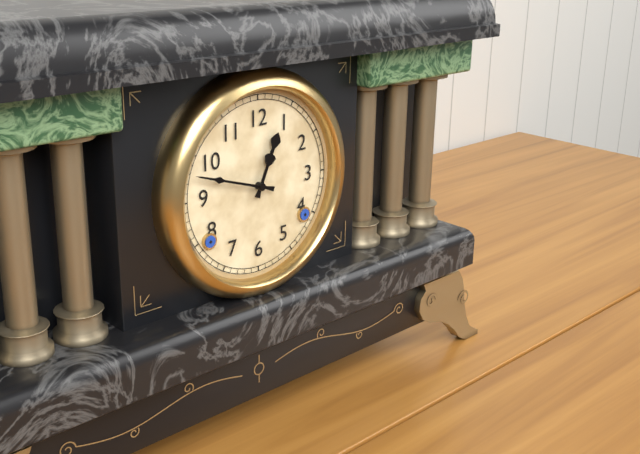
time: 12:48
